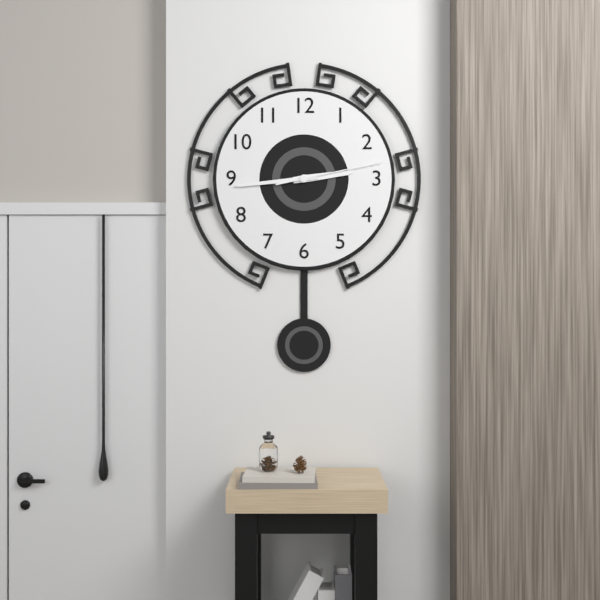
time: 2:44:13
